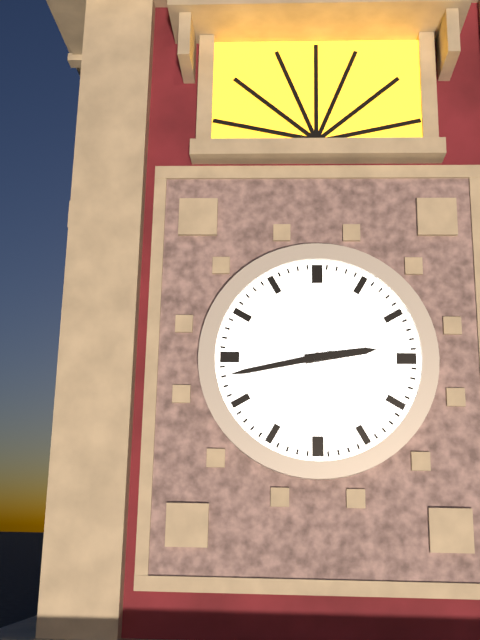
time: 2:43
